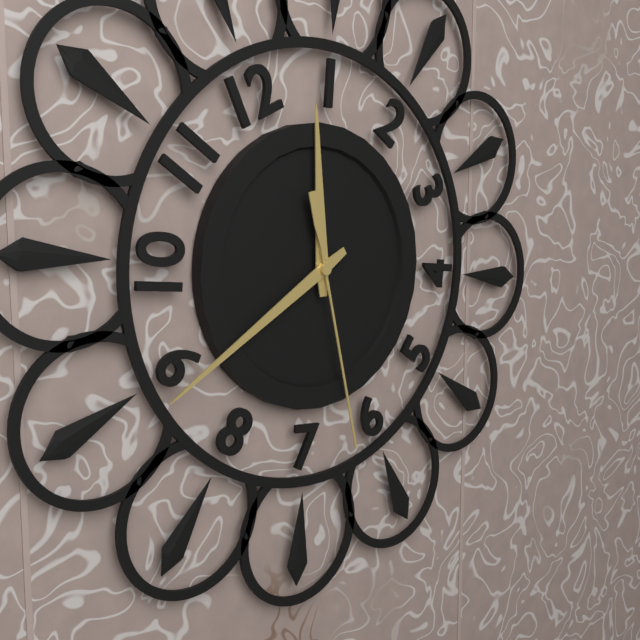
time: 12:44:32
